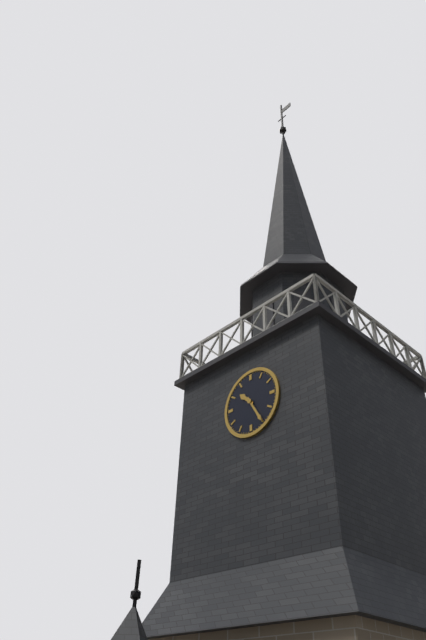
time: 10:25
